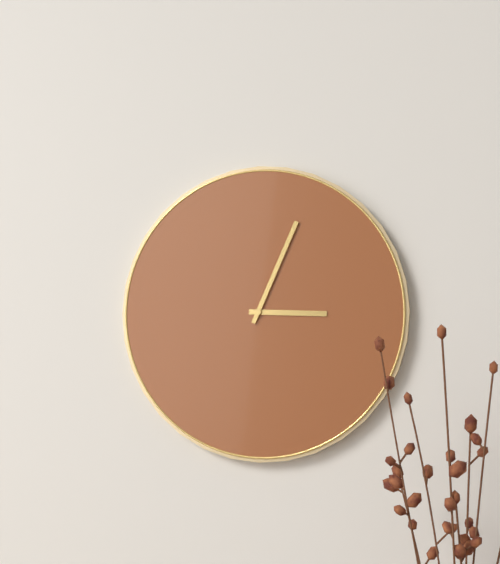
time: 3:04
